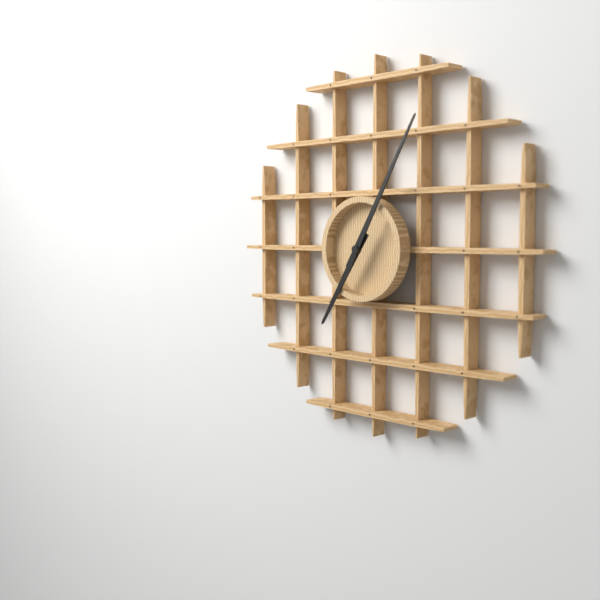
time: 7:05
